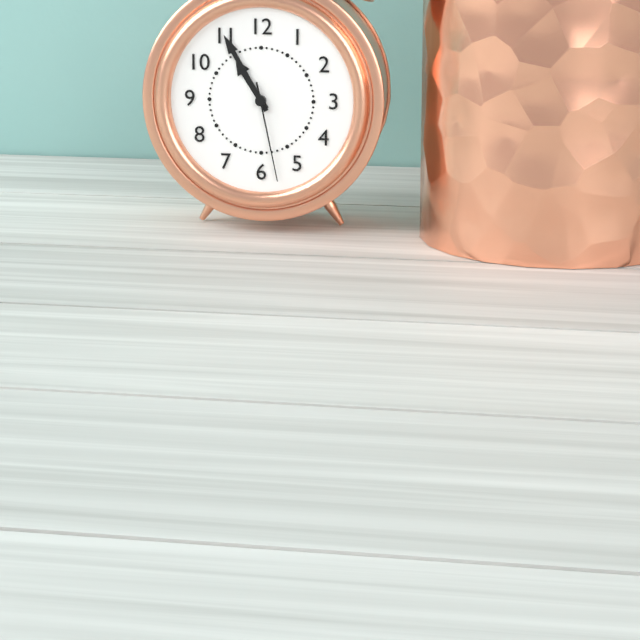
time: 10:55:28
